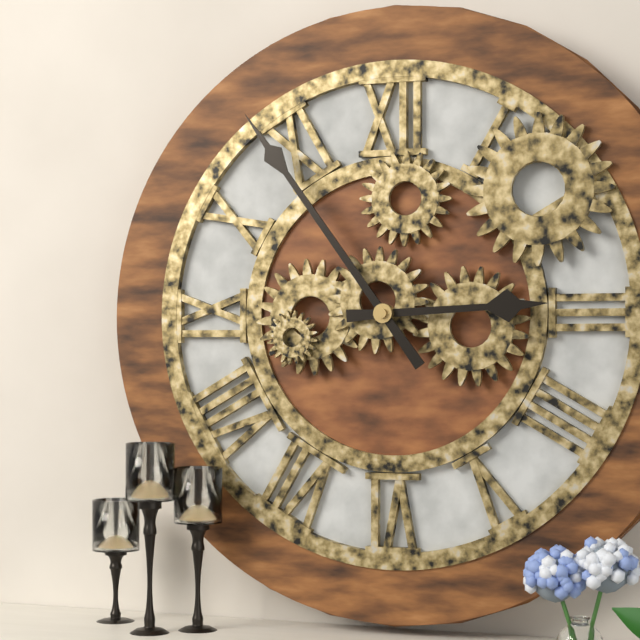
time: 2:54
